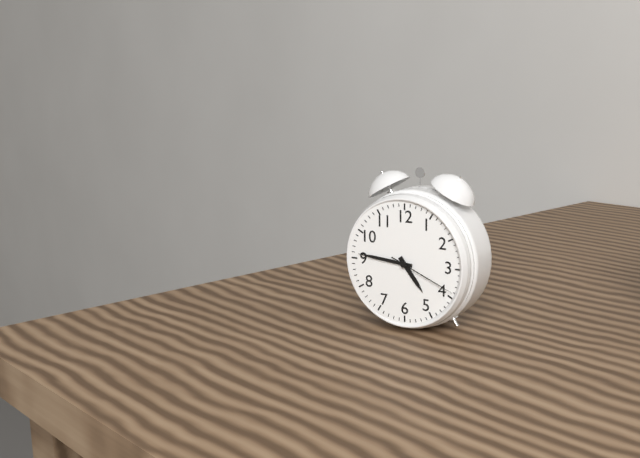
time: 4:46:19
